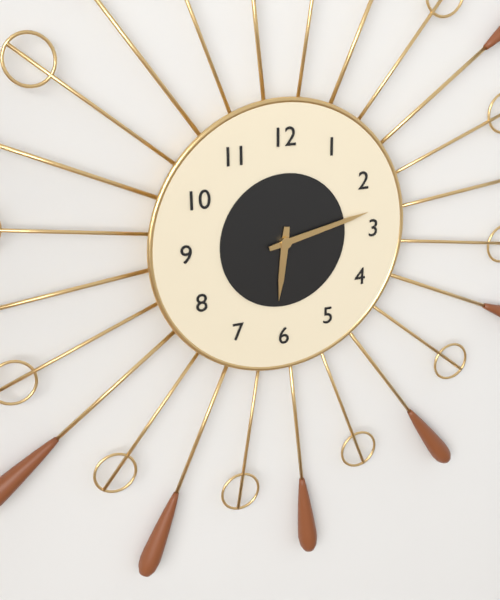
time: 6:13
